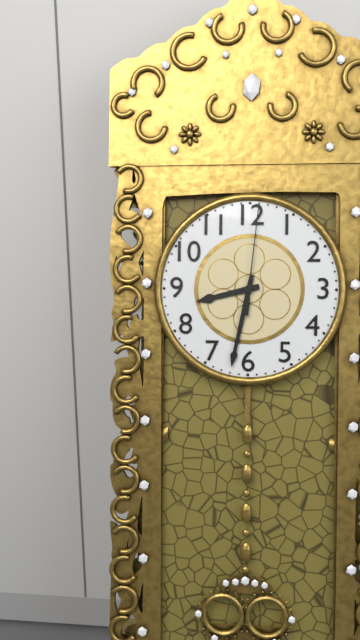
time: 8:32:01
